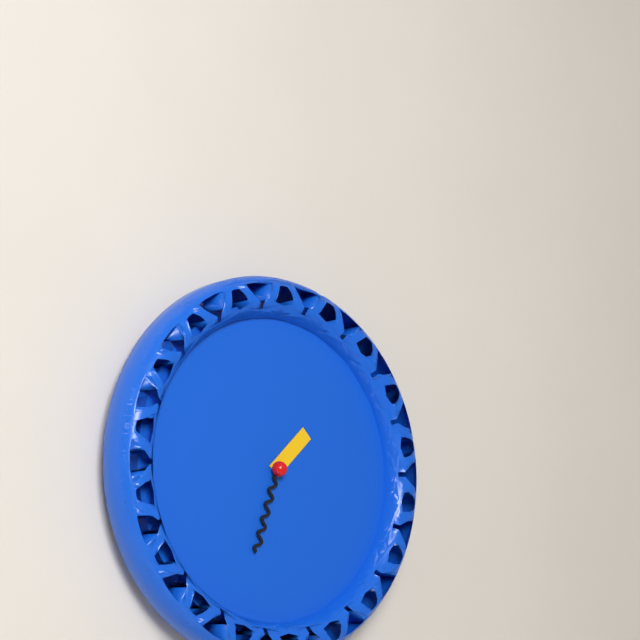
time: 1:33
